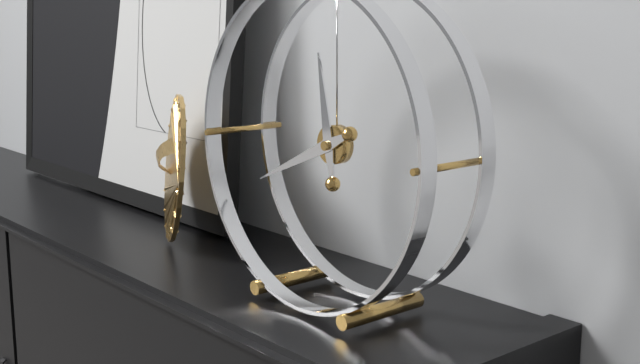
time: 11:41
